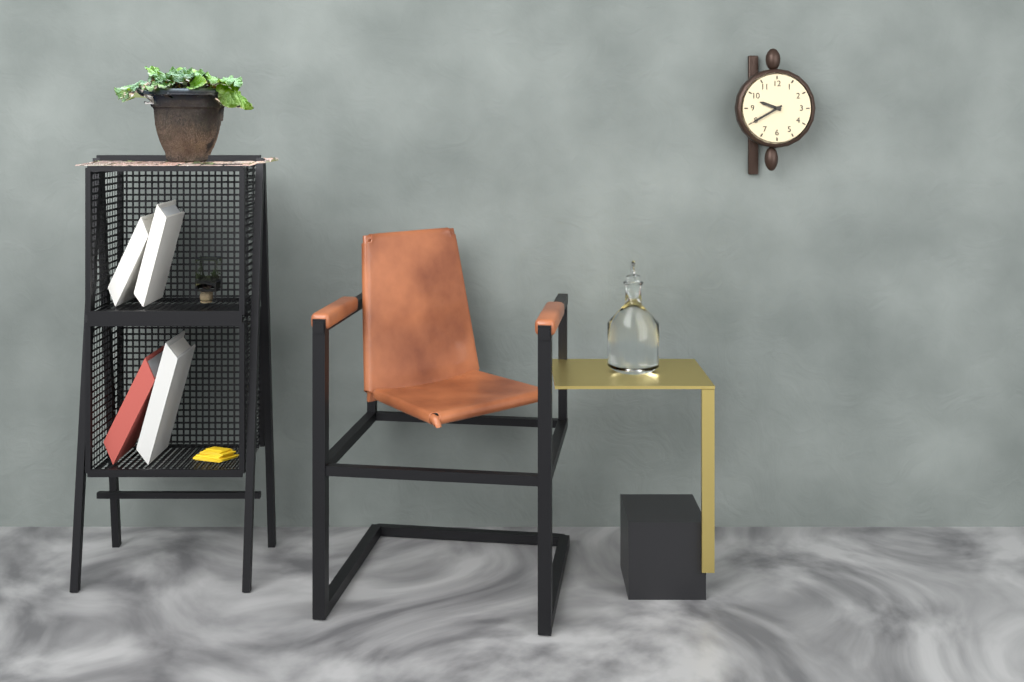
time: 9:40
